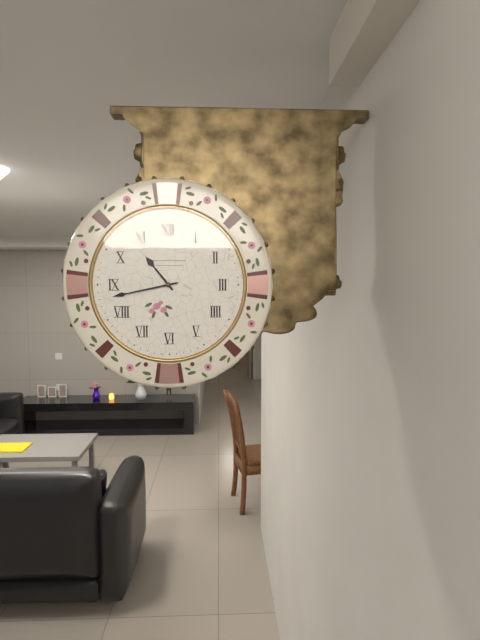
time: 10:43
